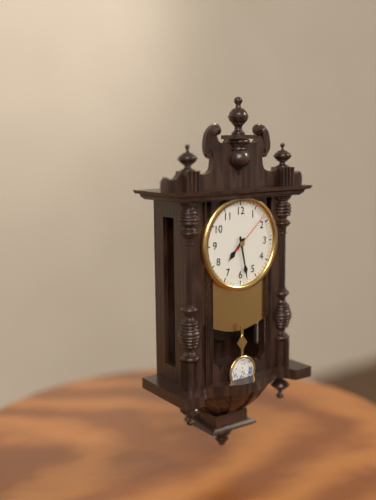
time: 7:28
